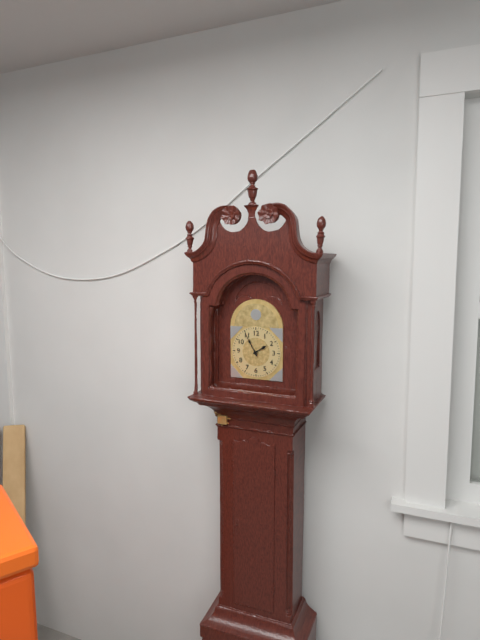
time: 1:55
